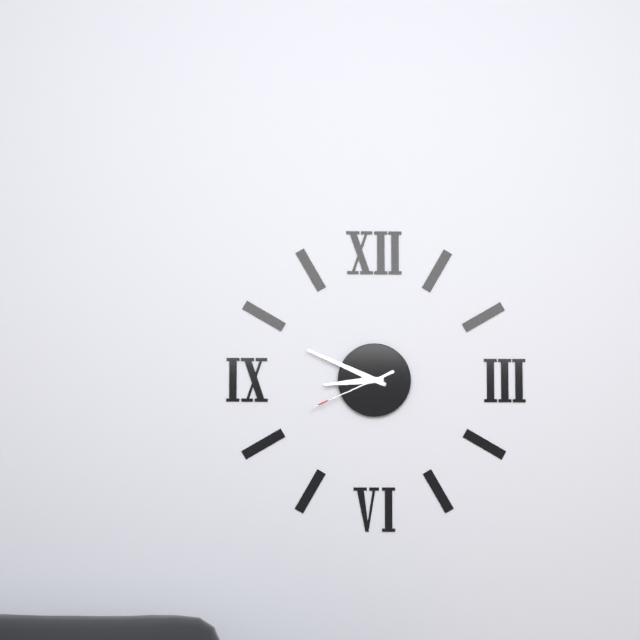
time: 8:49:41
